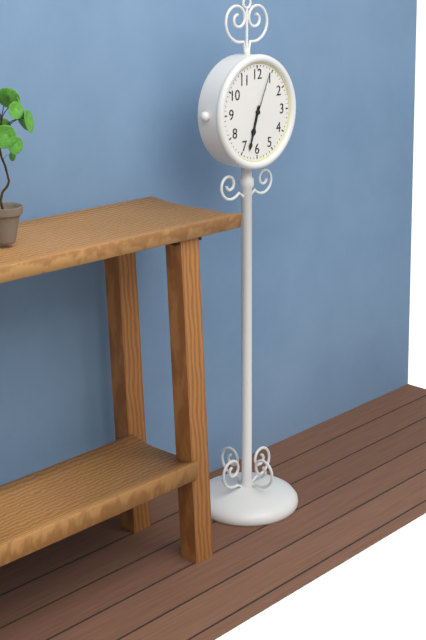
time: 6:33:04
